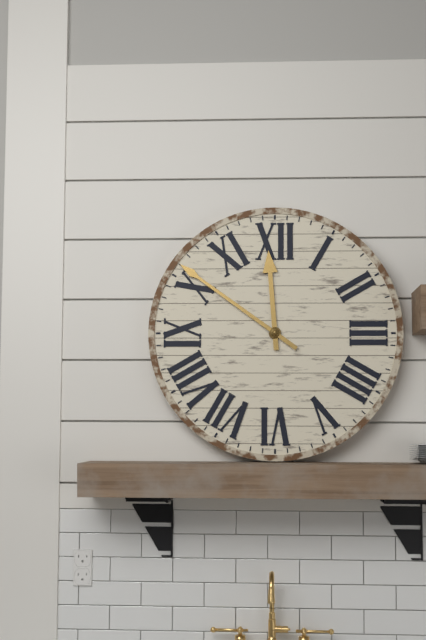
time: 11:51
